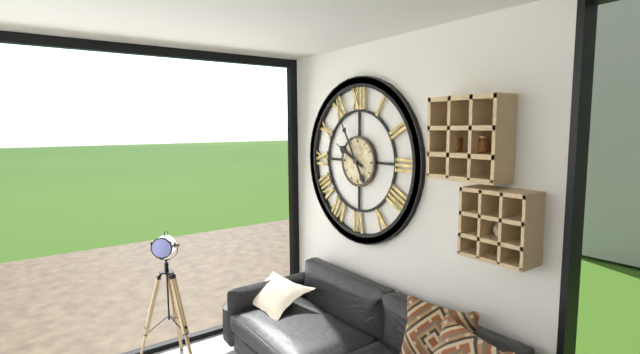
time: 9:55
